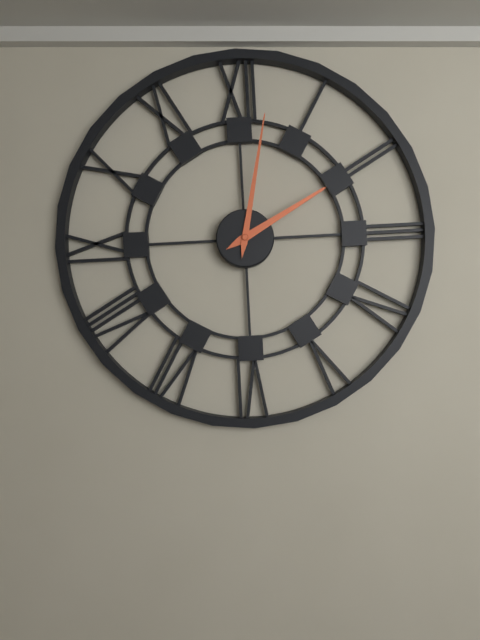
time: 2:02
